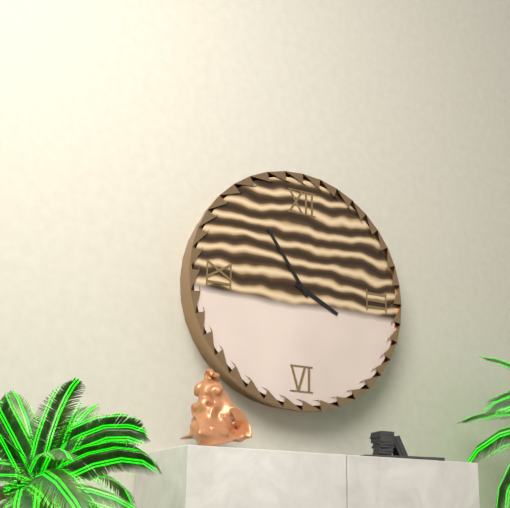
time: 3:54
